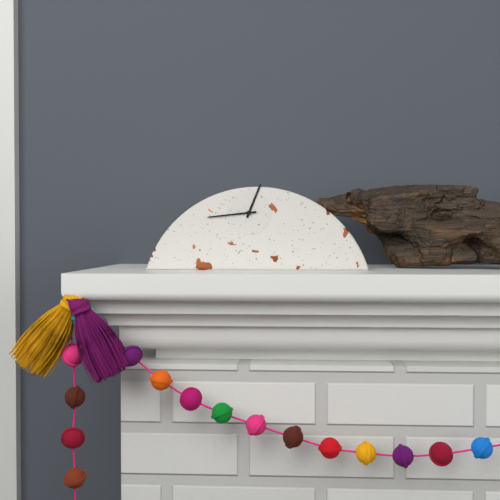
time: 12:44
